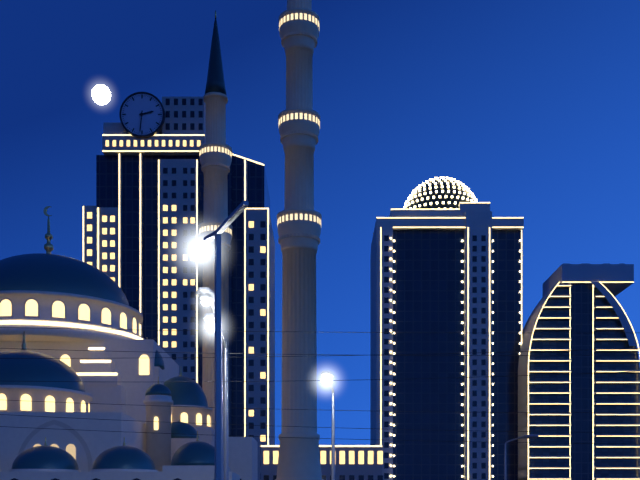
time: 2:31
